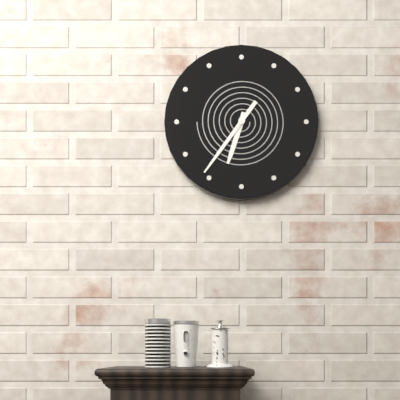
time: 6:36
